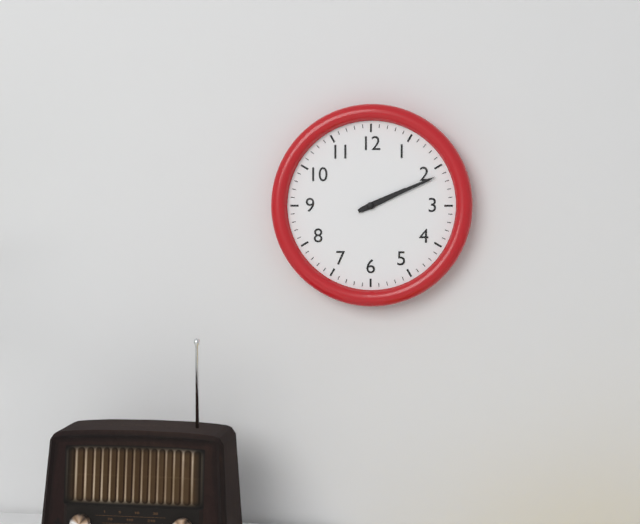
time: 2:11
